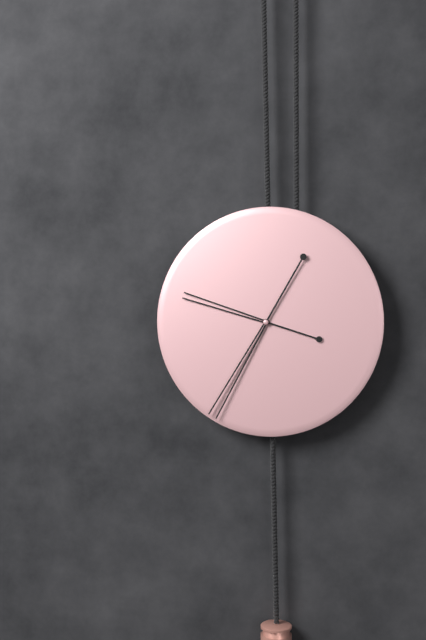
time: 9:35
